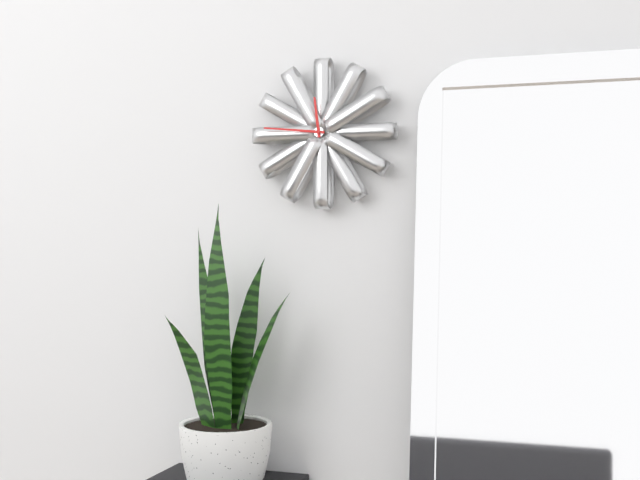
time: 11:46
